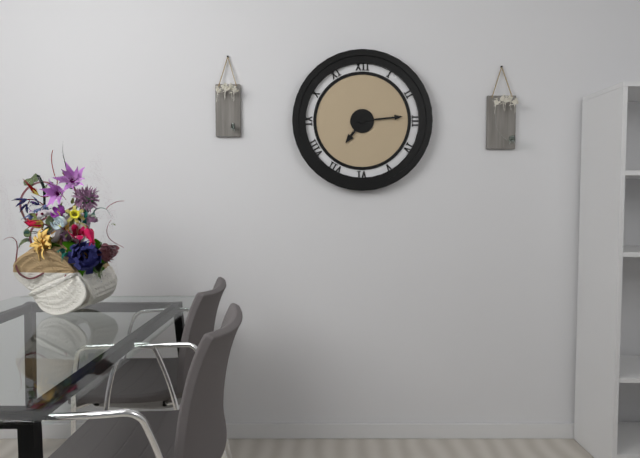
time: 7:14
